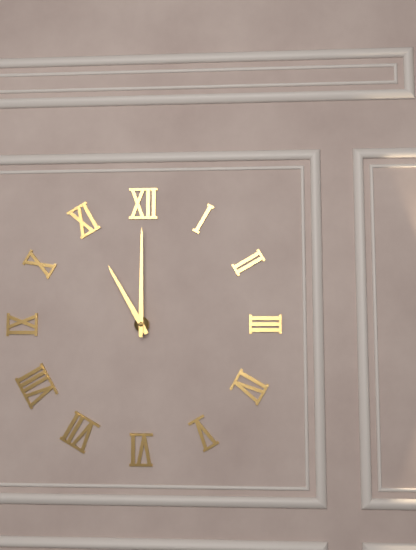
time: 11:00
